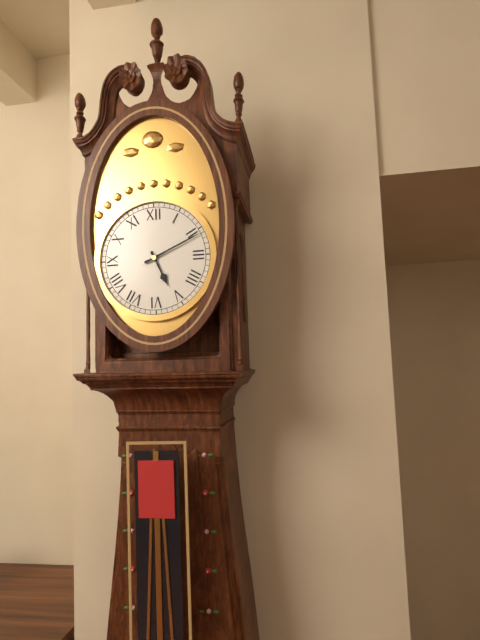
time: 5:11
